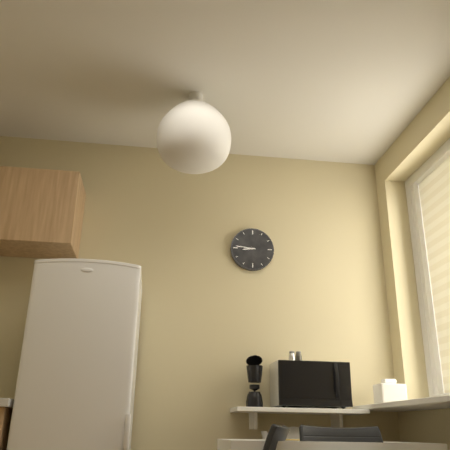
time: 8:46
